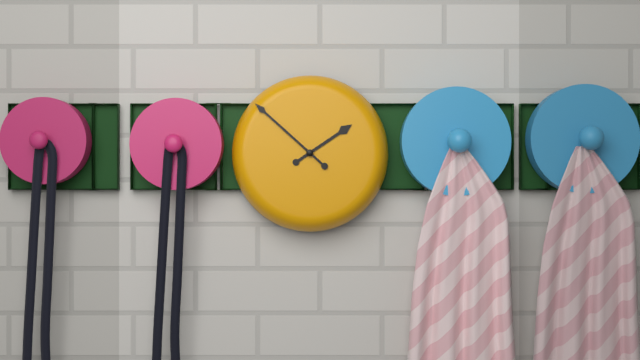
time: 1:52
